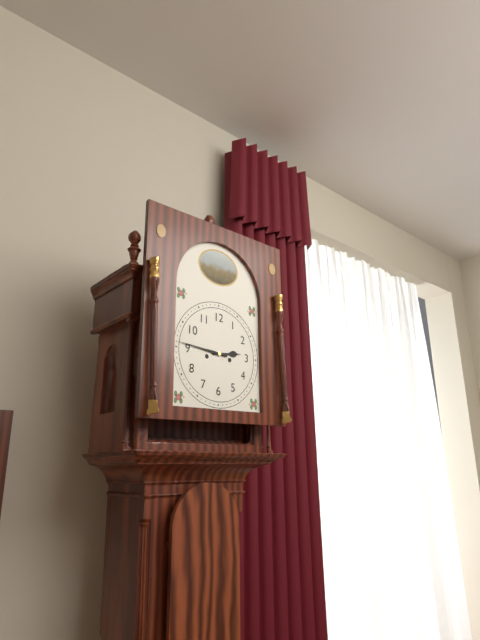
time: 2:46
